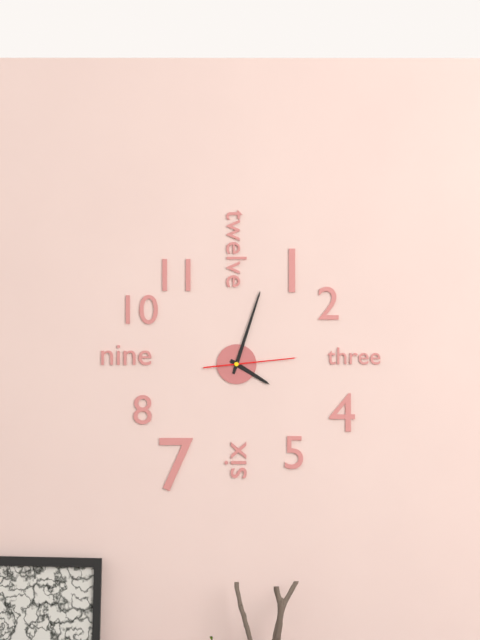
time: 4:03:14
